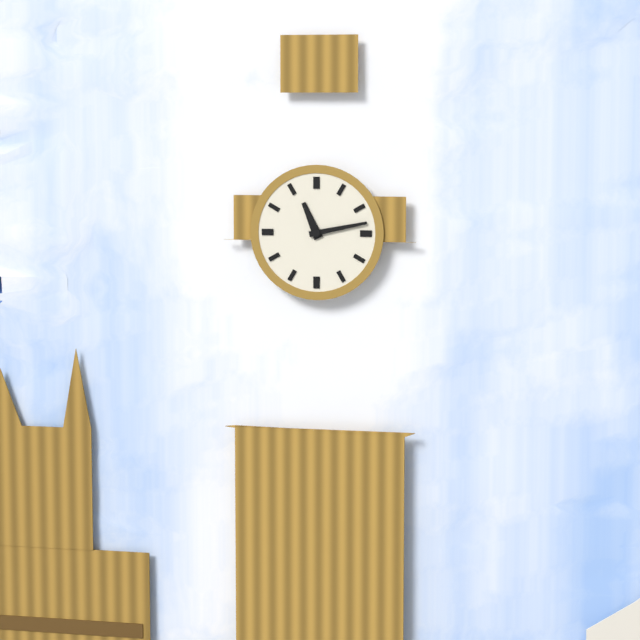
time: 11:13
